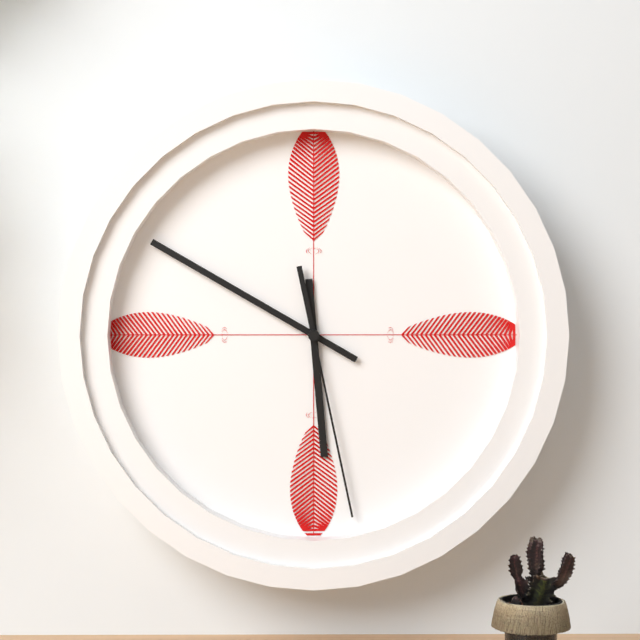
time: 5:50:28
